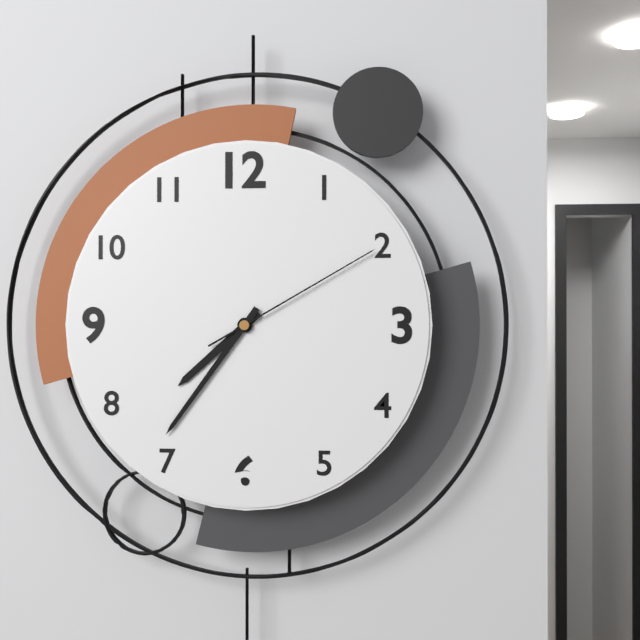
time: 7:36:10
